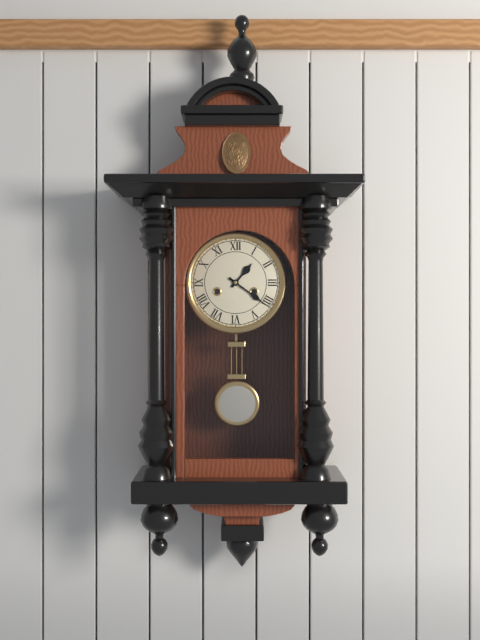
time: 1:21
